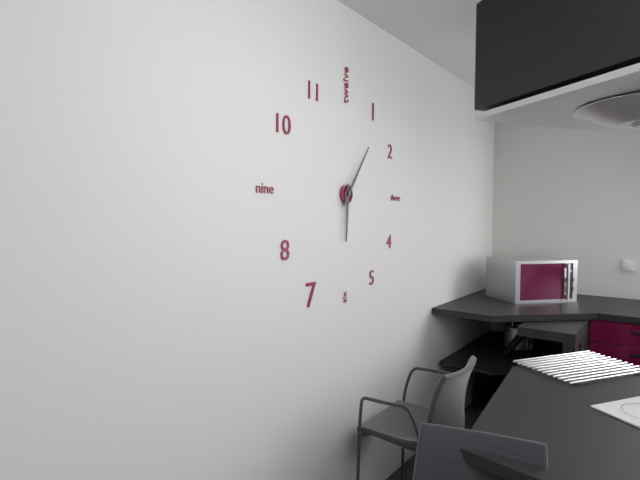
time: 6:06
